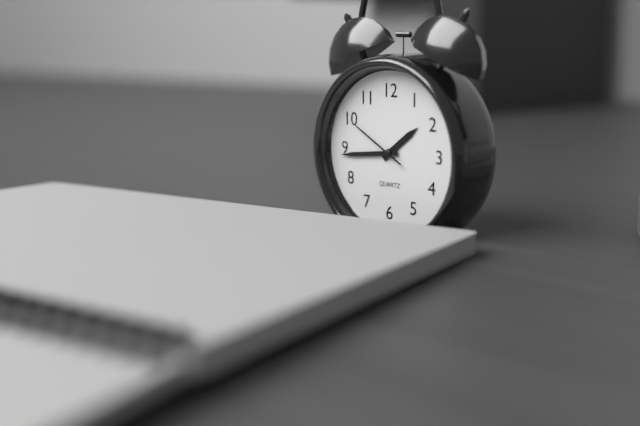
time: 1:44:50
